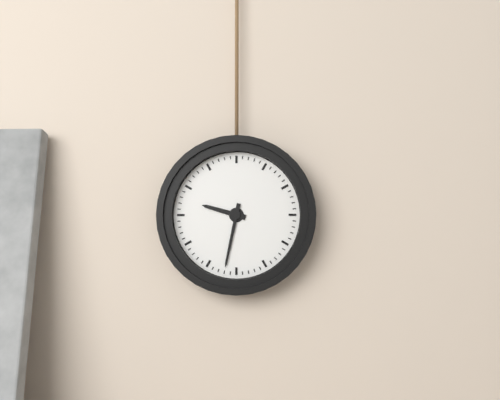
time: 9:32
